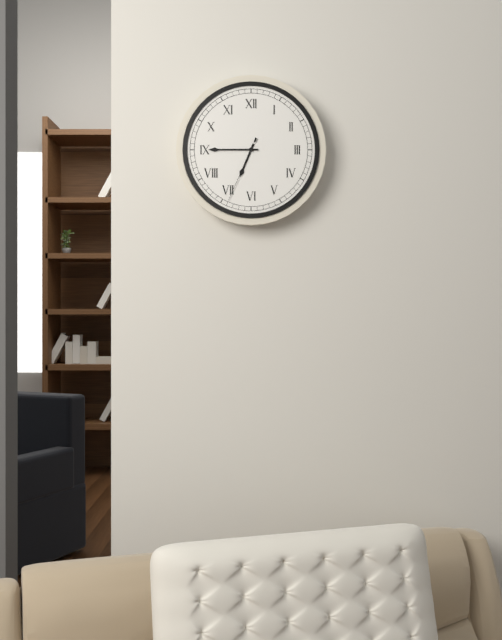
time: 6:45:34
